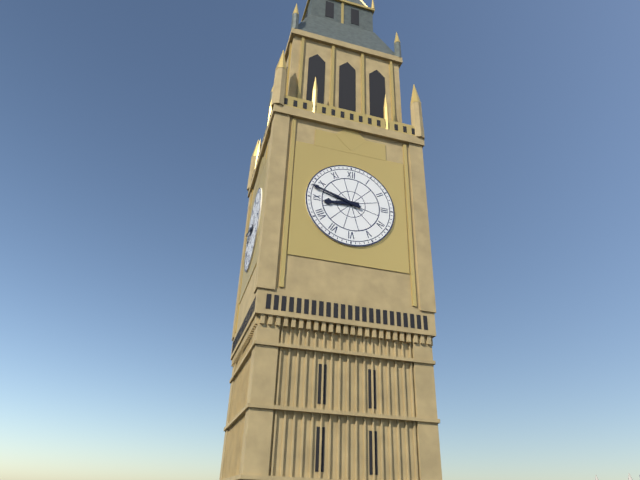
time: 8:48
